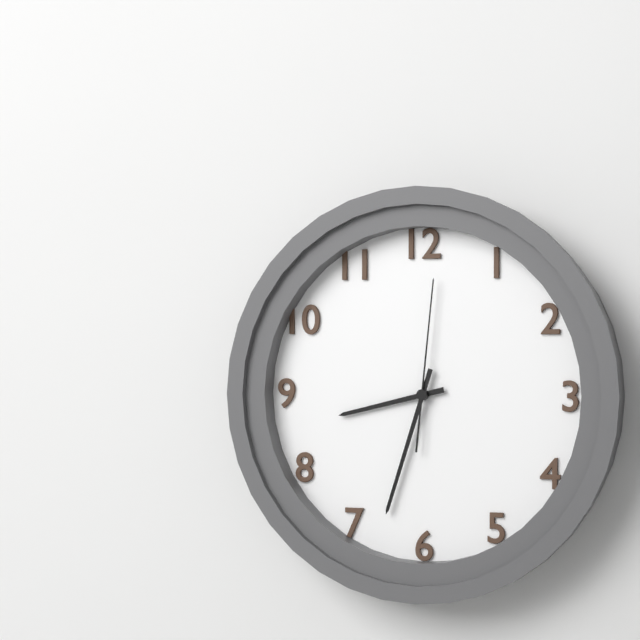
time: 8:33:01
